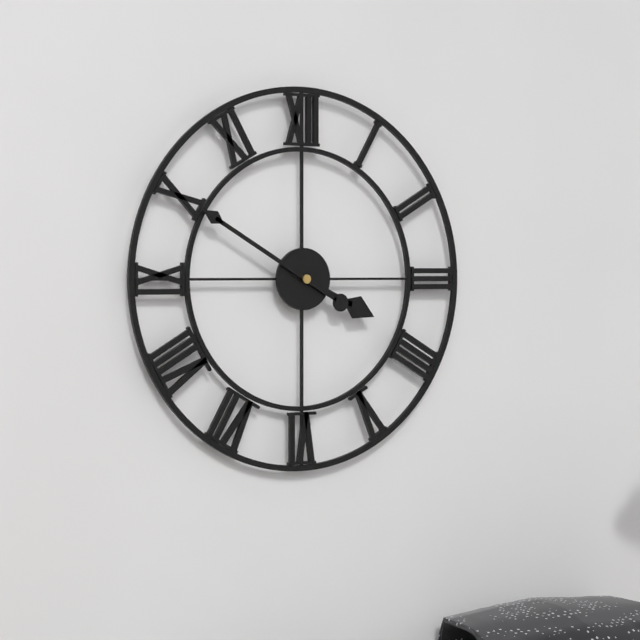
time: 3:50
